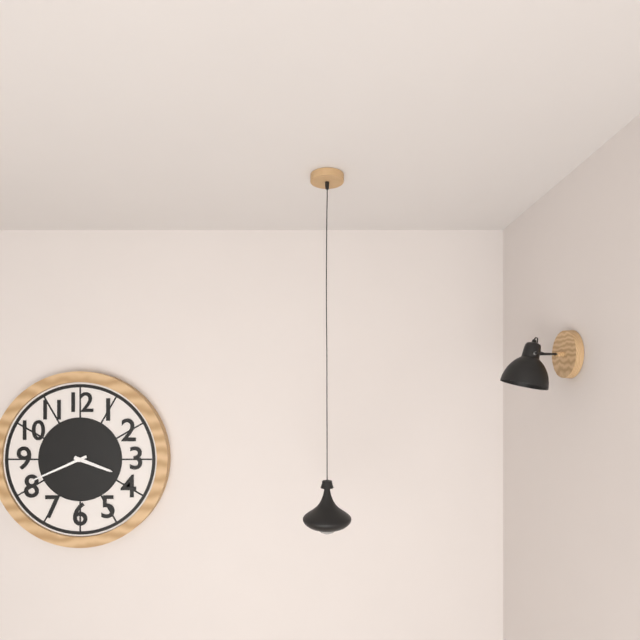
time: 3:41
